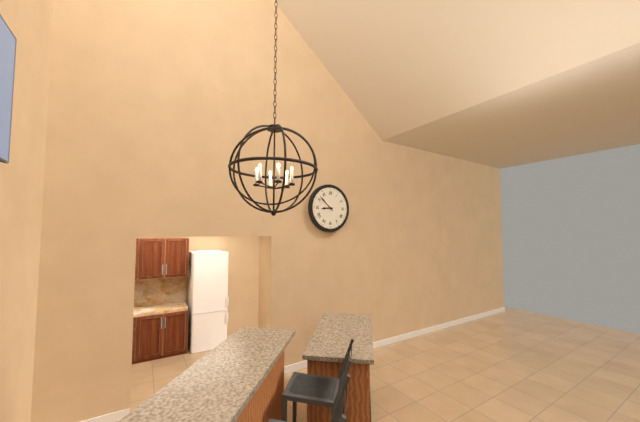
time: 8:52
